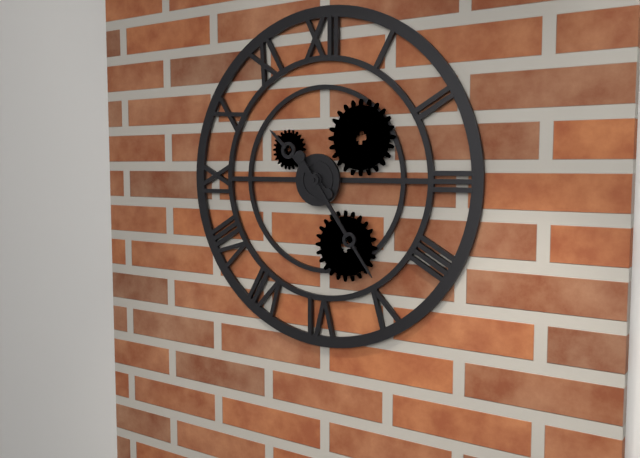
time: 10:24
